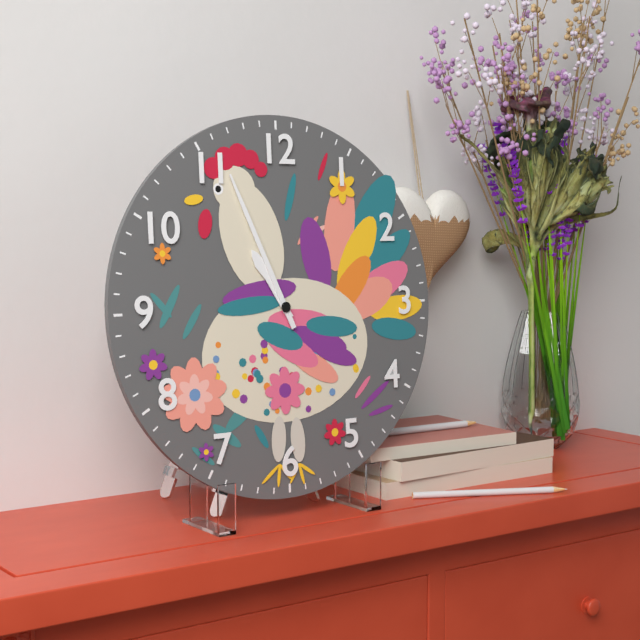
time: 10:56
